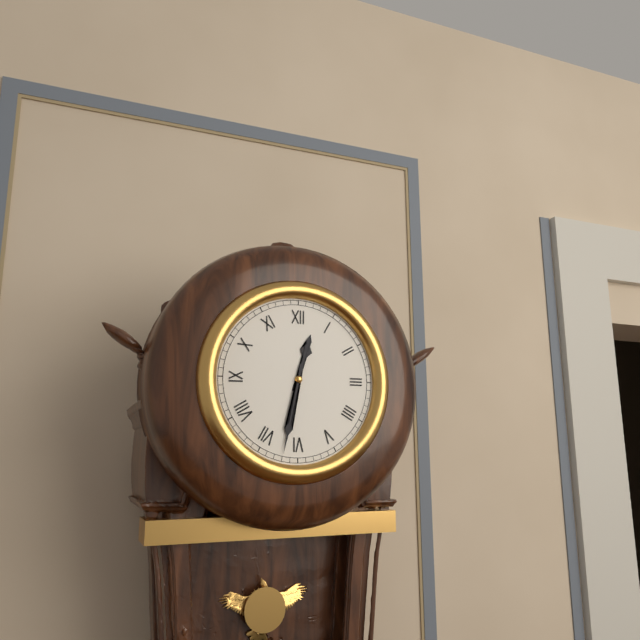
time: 12:32
